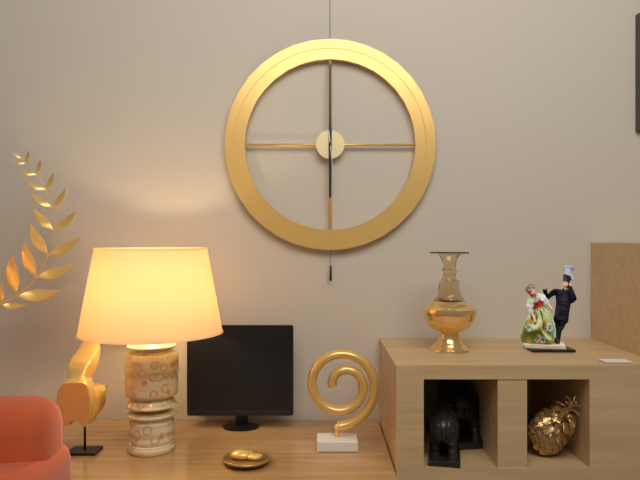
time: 6:00:29
